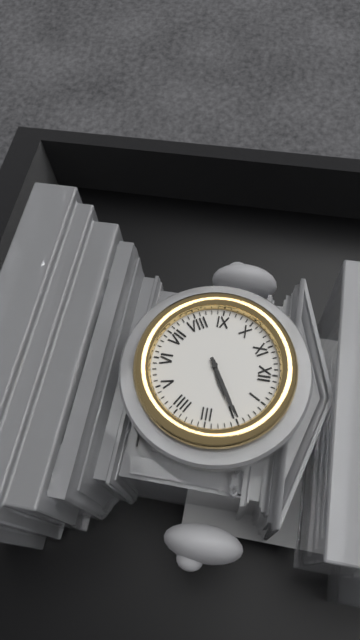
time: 2:10
